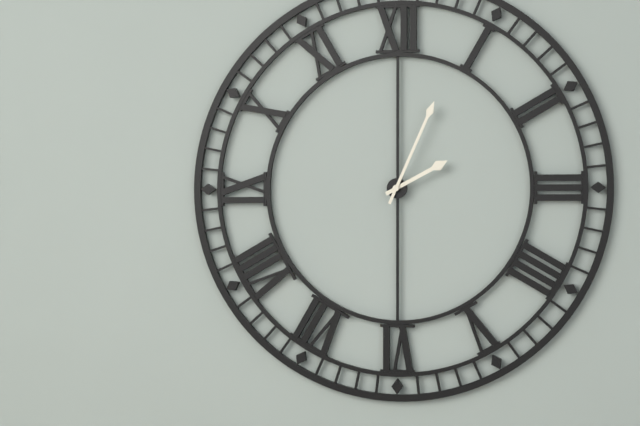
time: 2:04
